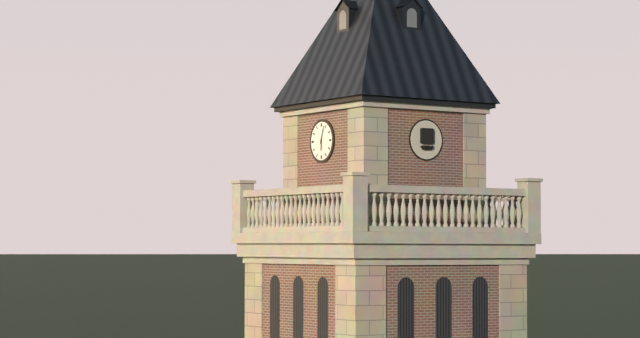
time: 6:03
